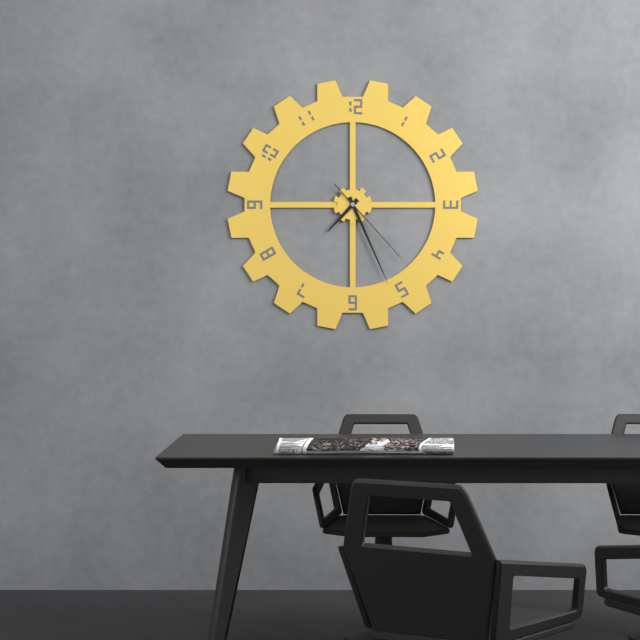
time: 7:26:23
